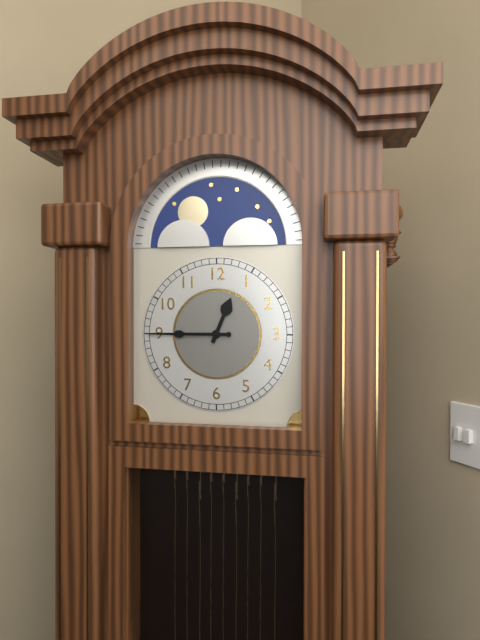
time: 12:45
